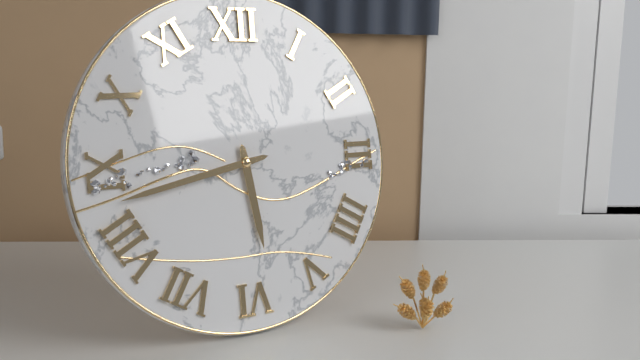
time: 5:43
